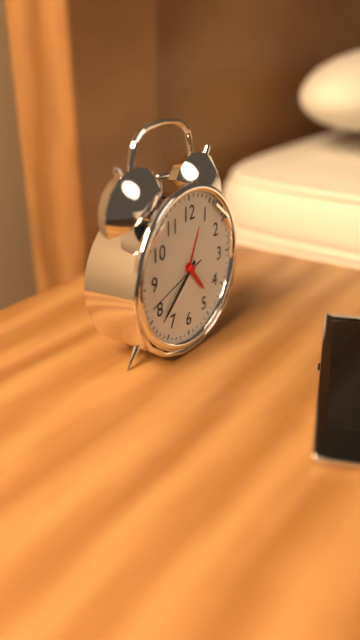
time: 4:38:42
